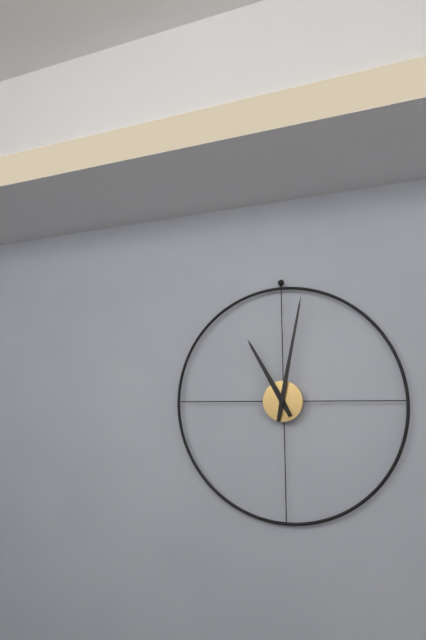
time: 11:02
